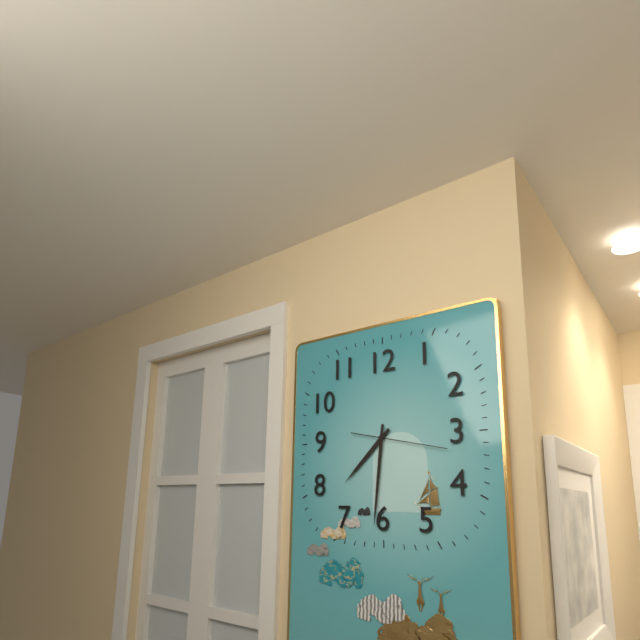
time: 7:31:17
